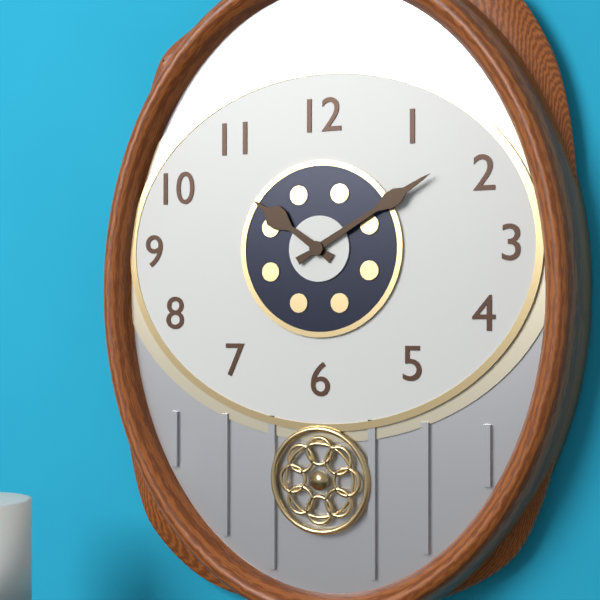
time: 10:10
